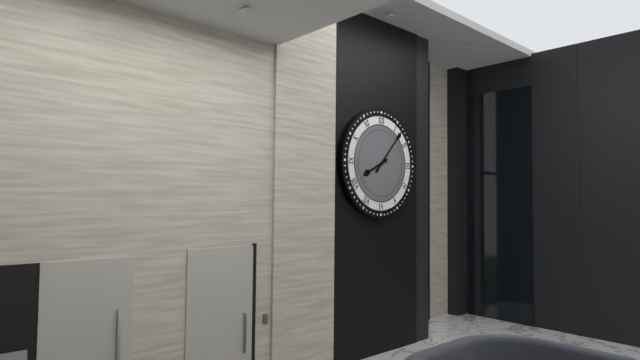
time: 8:07
